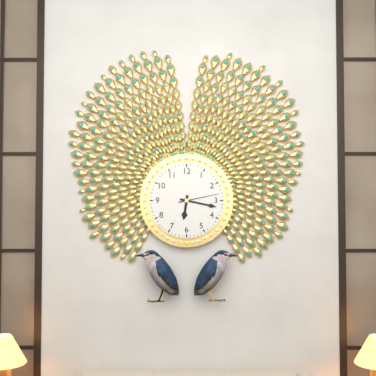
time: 6:17
